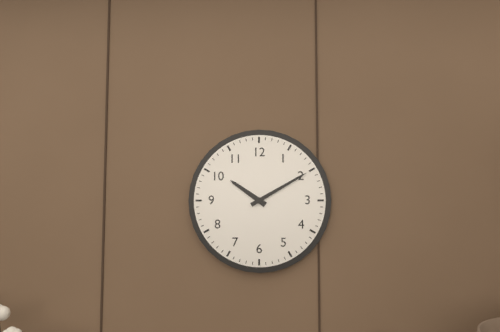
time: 10:10
